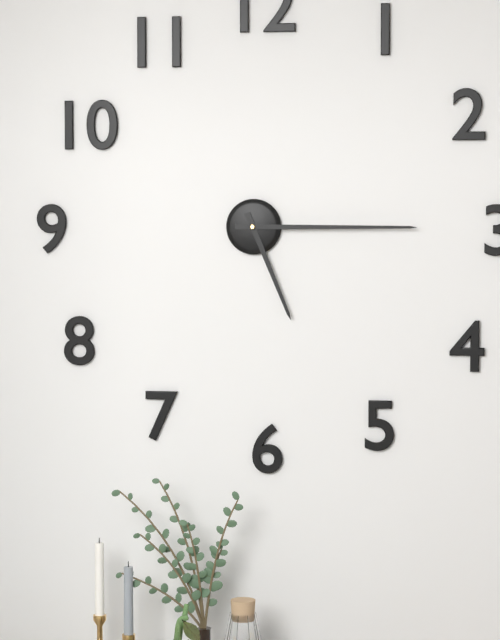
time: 5:15
